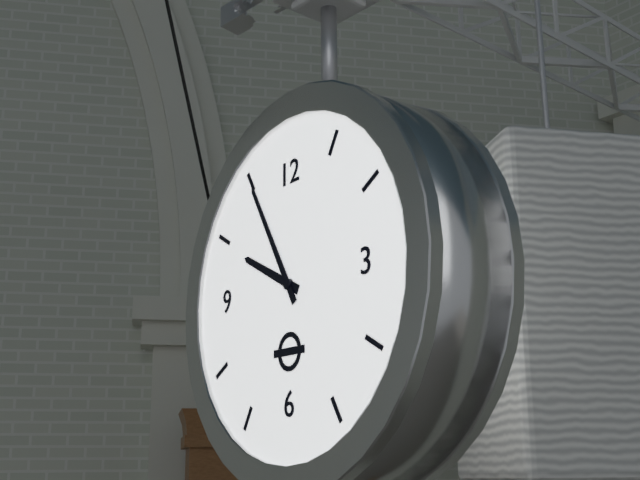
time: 9:55
